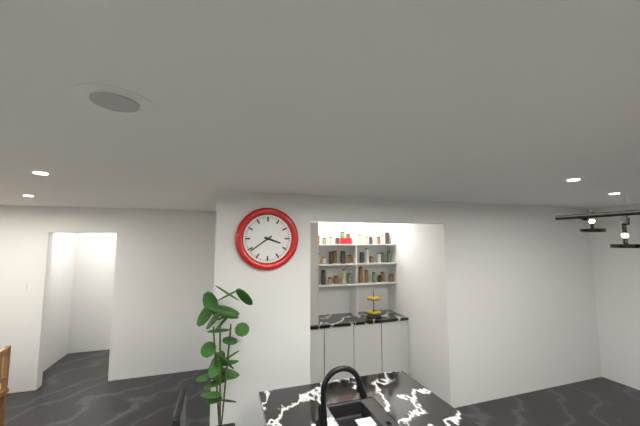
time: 3:39
